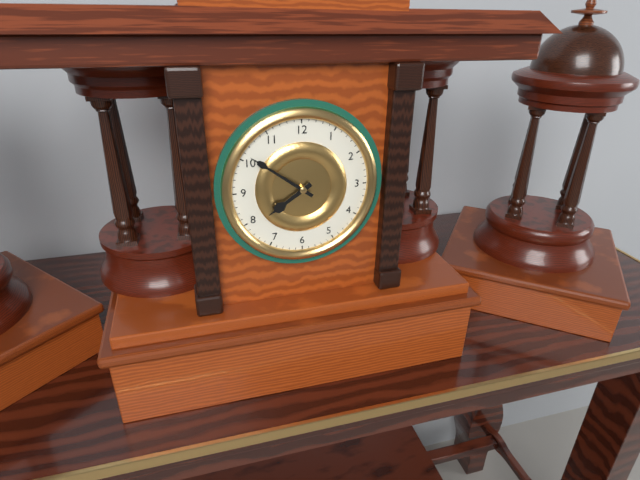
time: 7:51
